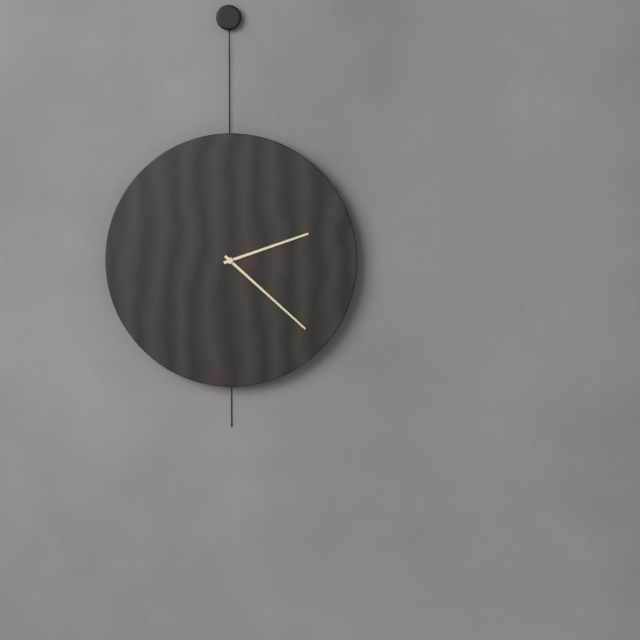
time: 2:22
